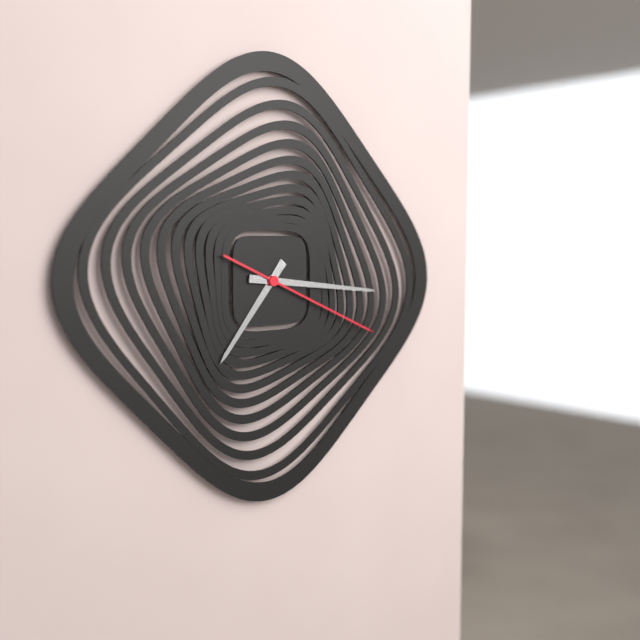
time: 7:16:19
